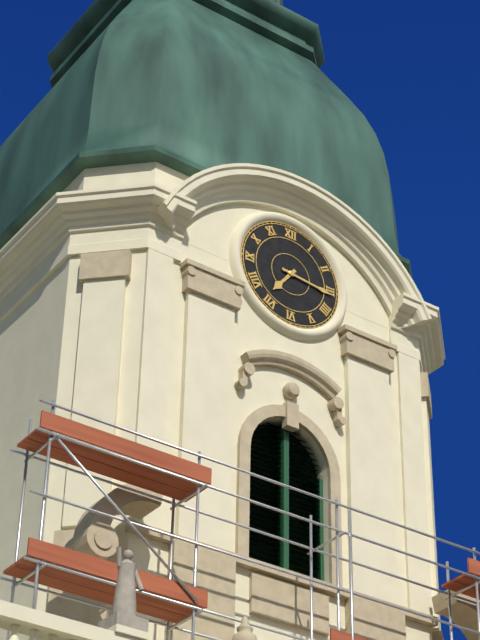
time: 7:16
